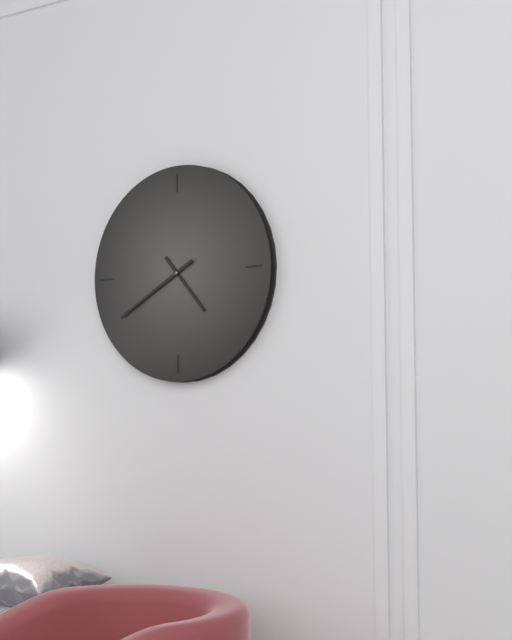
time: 4:40
